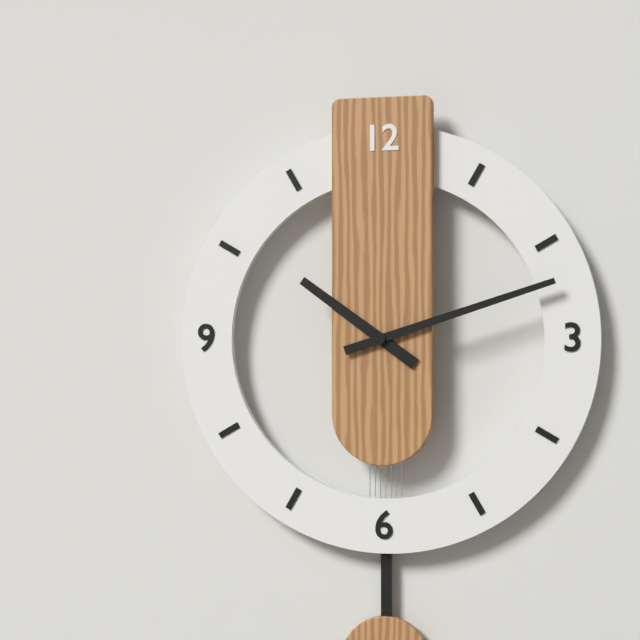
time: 10:12
